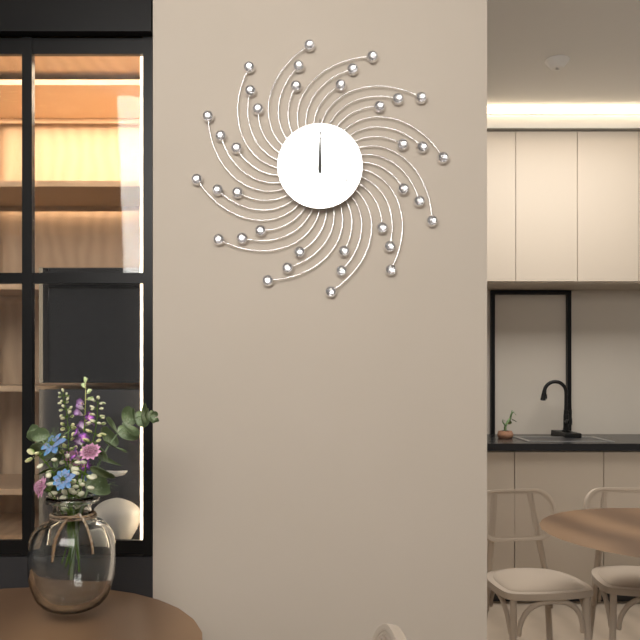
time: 12:00
